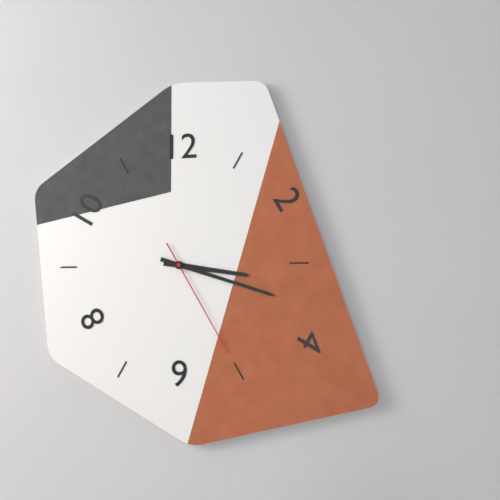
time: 3:18:25
